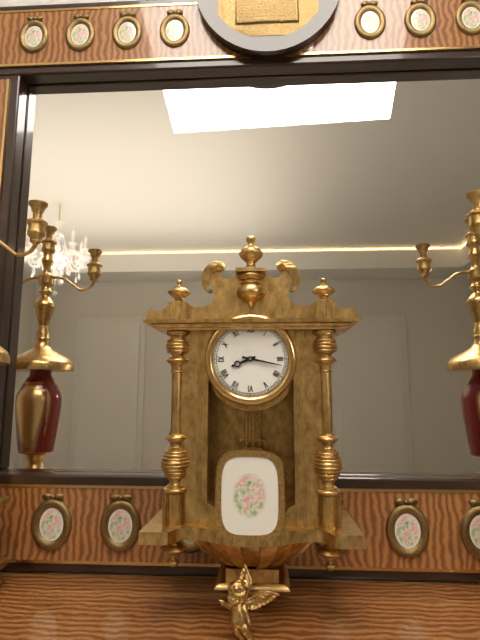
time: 8:17
